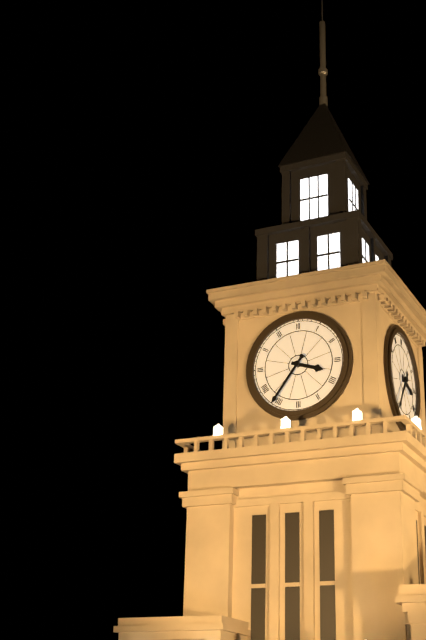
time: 3:36
